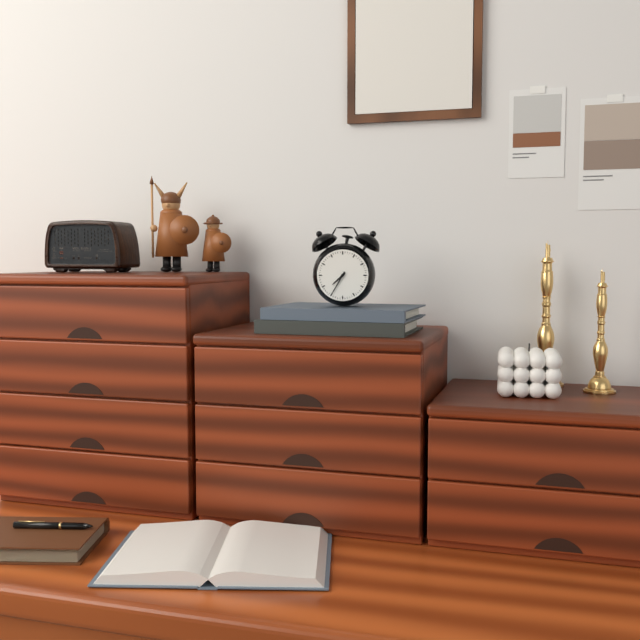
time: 7:35
